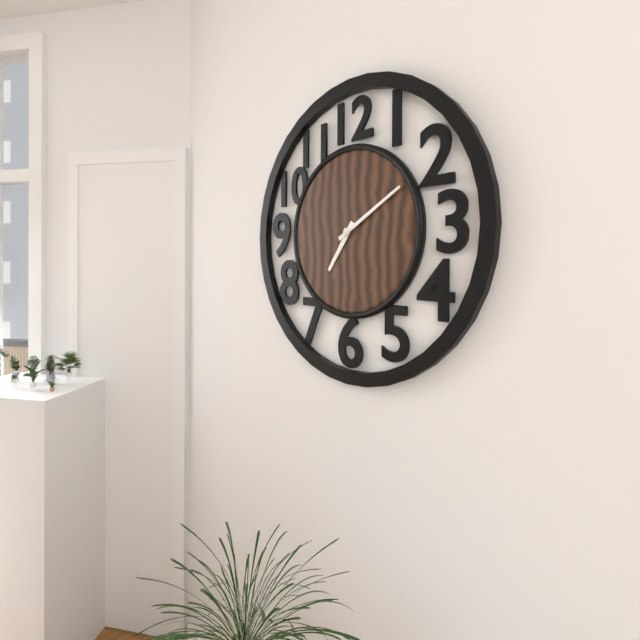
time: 7:10
